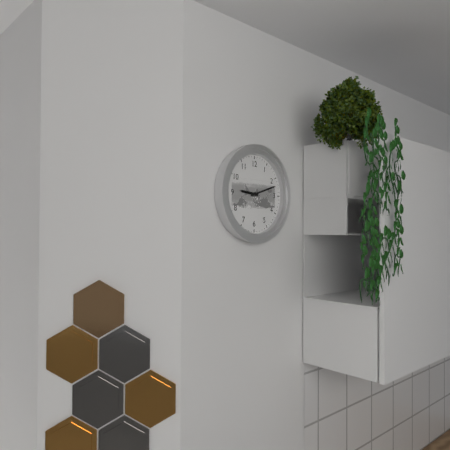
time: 9:12
